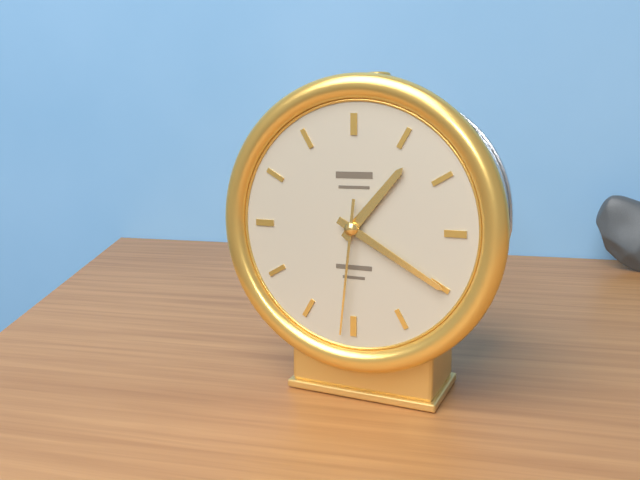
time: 1:20:31
